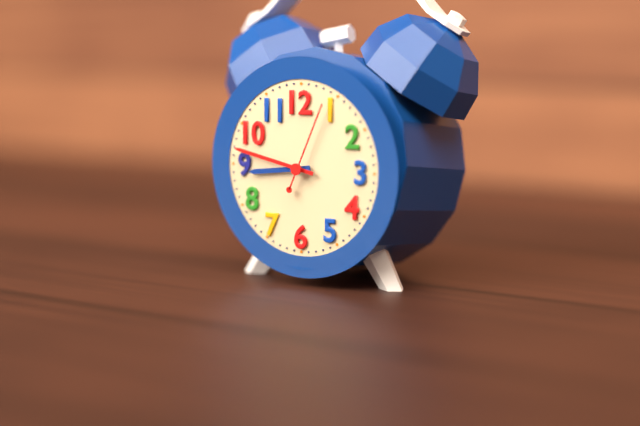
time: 8:47:04
